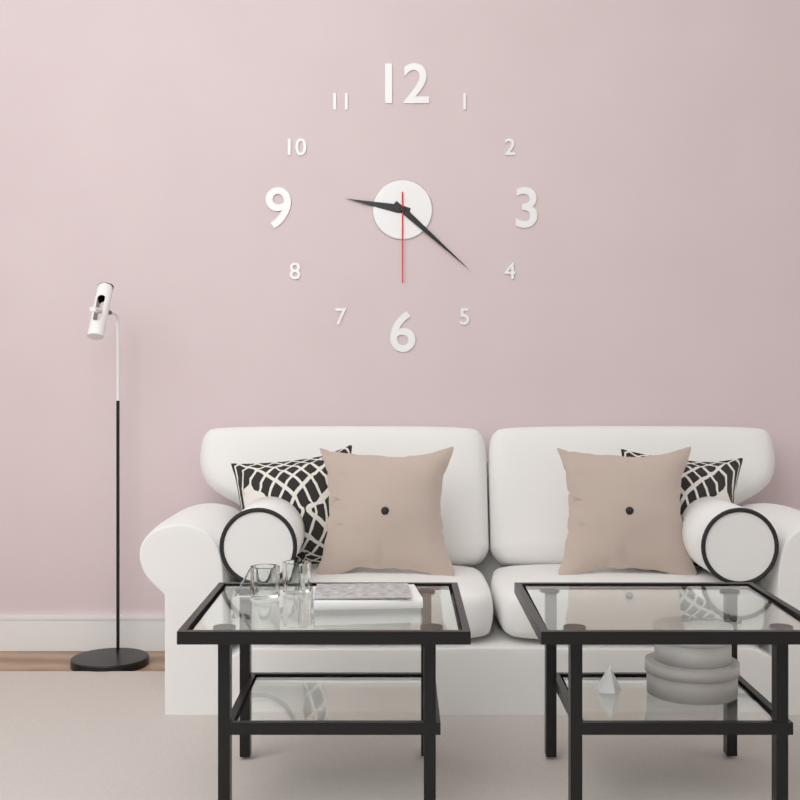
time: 9:22:30
